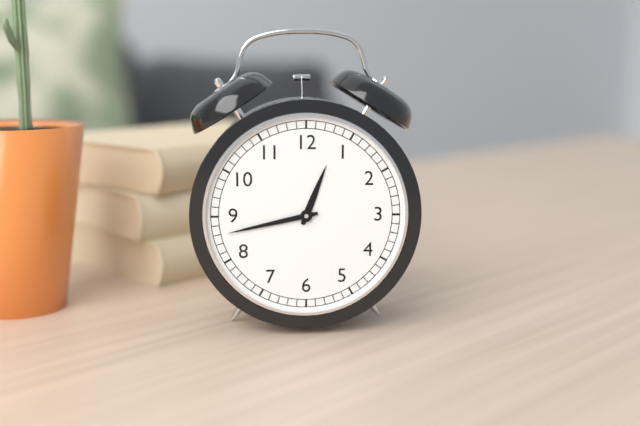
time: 12:43
